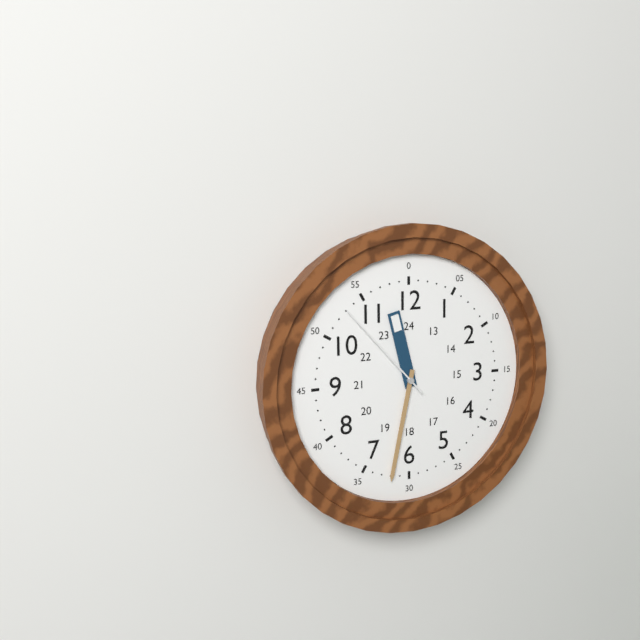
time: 11:32:53
